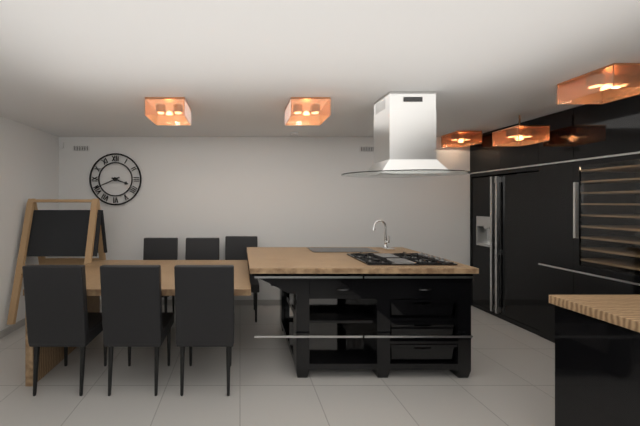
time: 3:41
